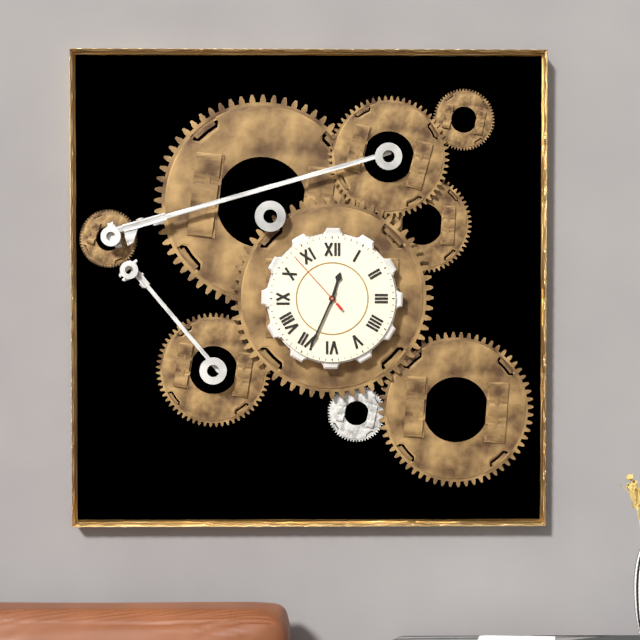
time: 12:34:53
